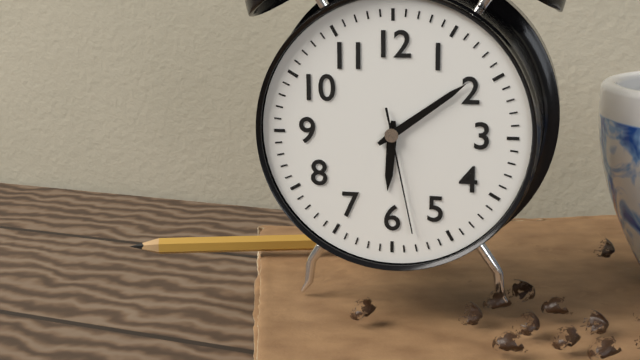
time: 6:09:28
